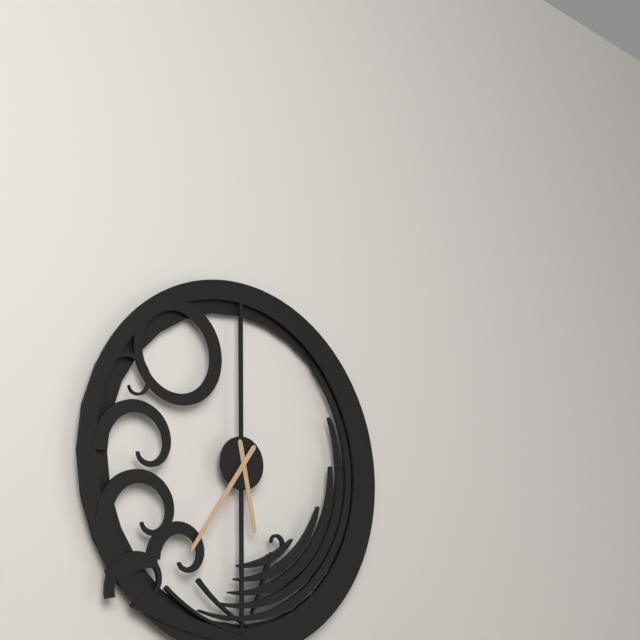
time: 5:36
